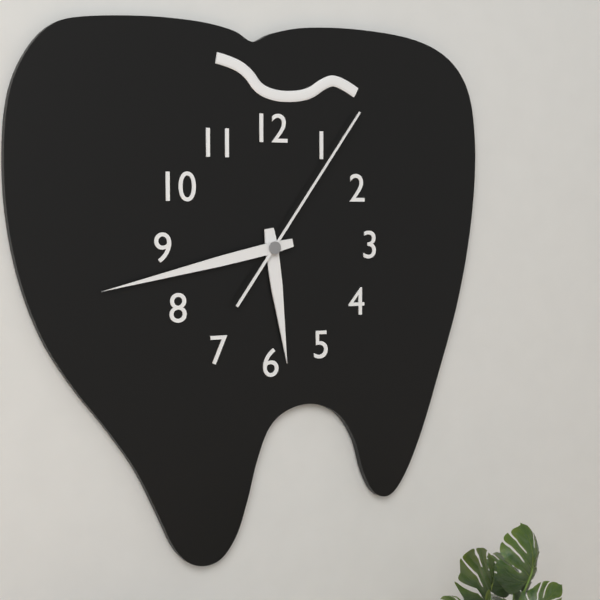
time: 5:43:06
